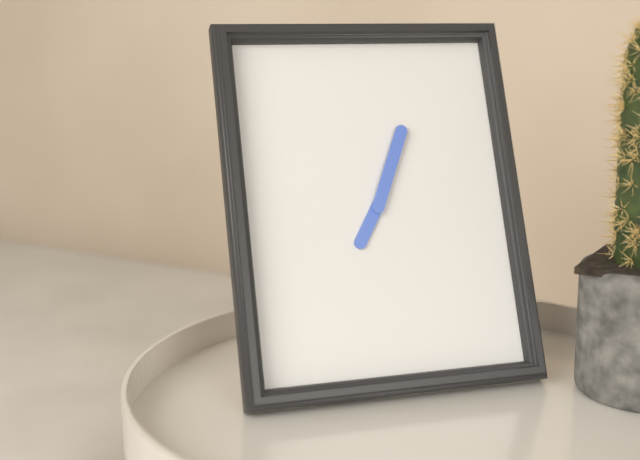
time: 7:04
